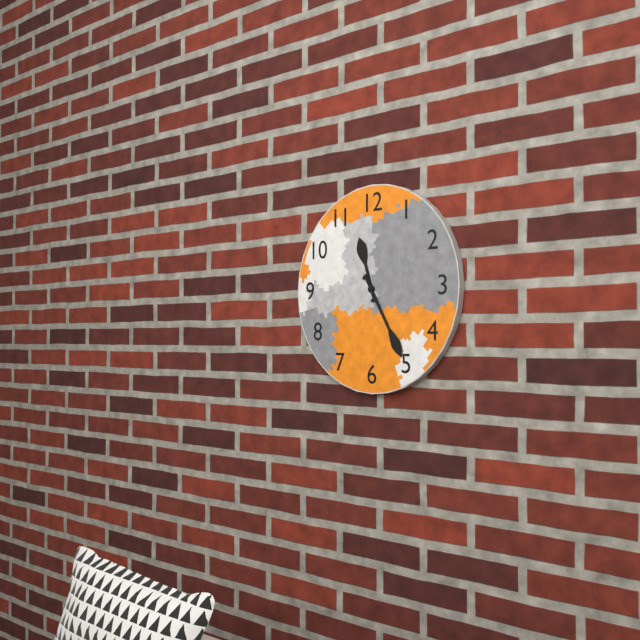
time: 11:25
